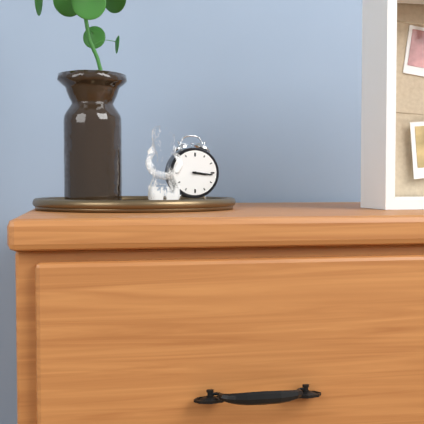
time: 3:16
